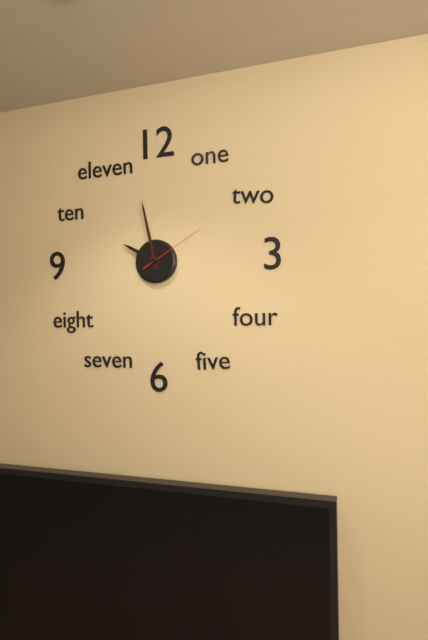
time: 9:58:10
